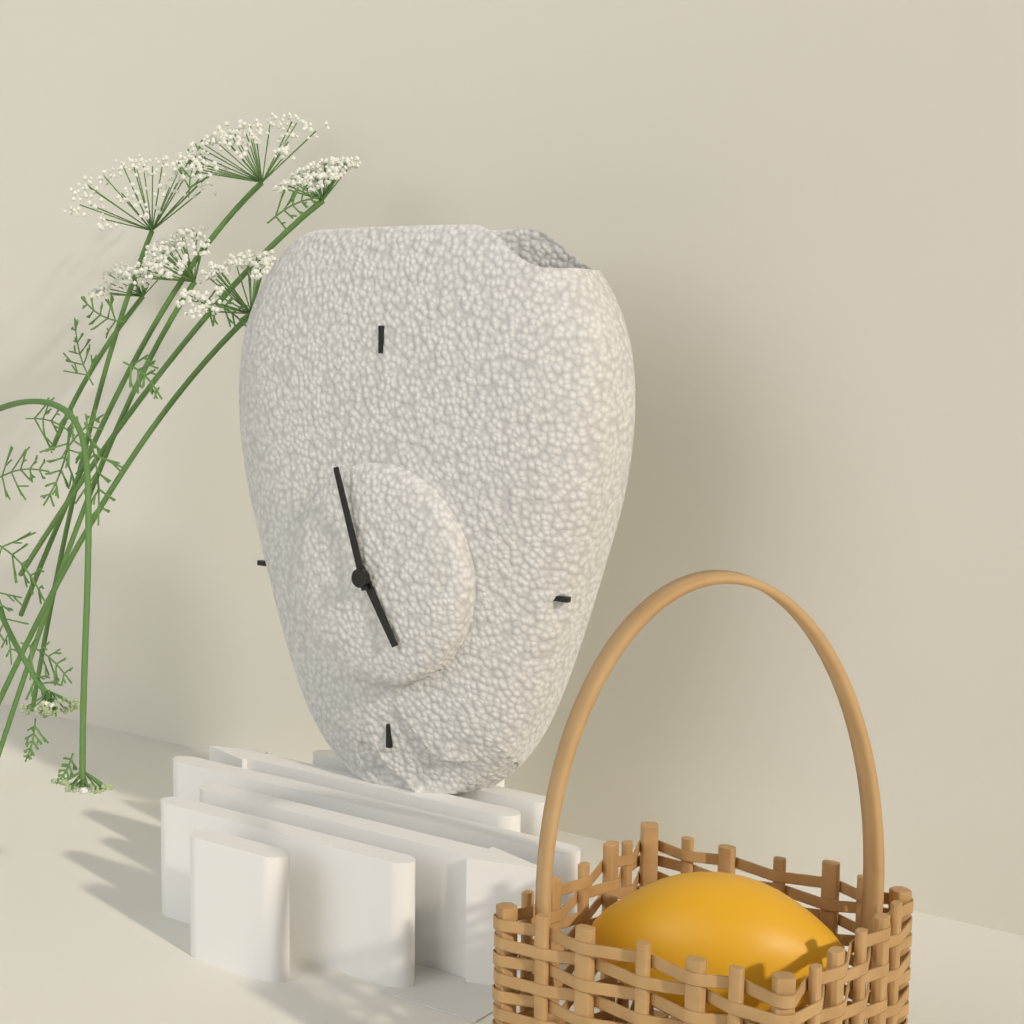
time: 4:57
